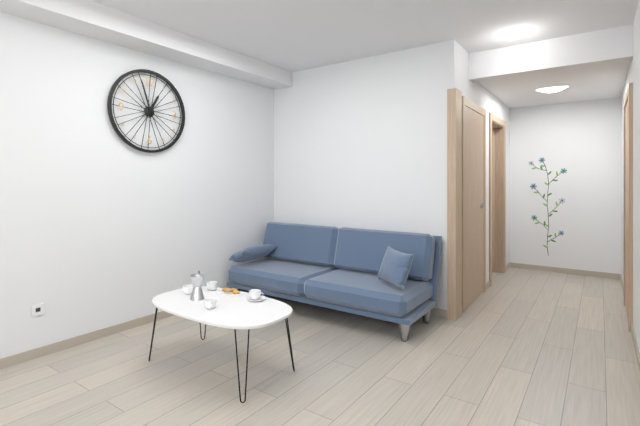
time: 12:57
